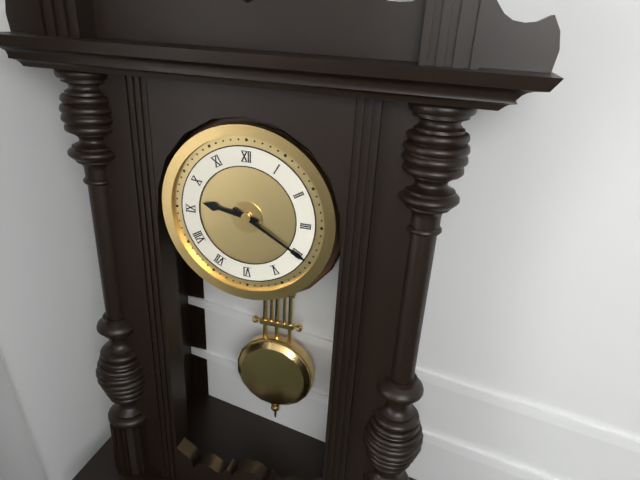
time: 9:20
